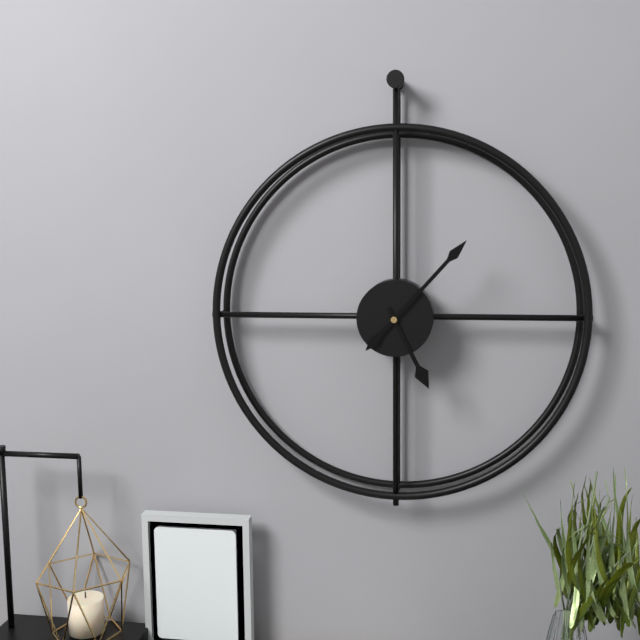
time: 5:07
